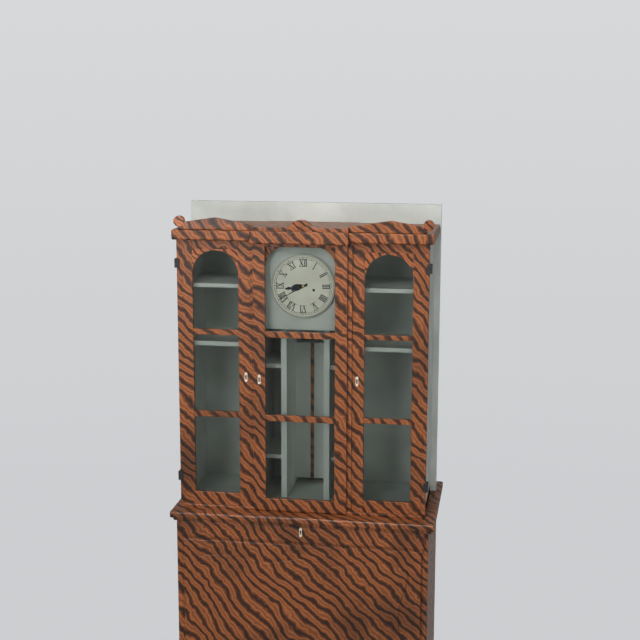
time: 8:40
